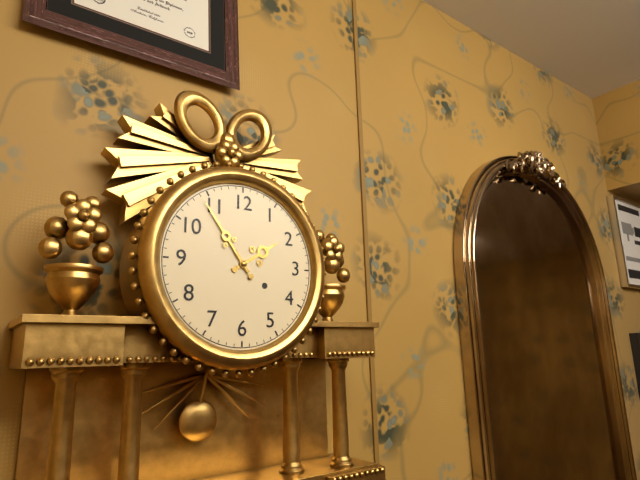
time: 1:54
